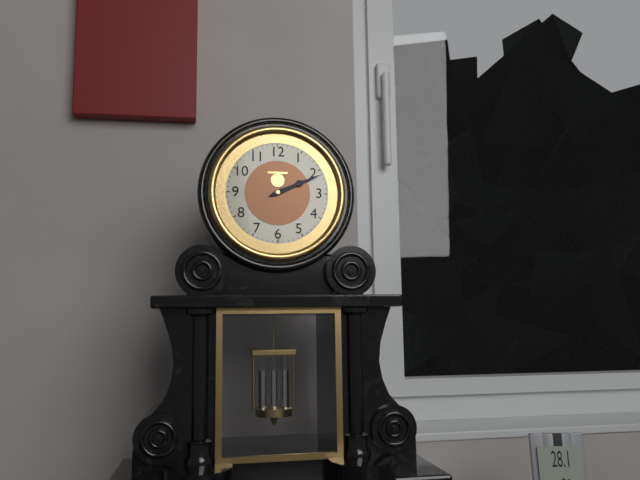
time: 2:11
